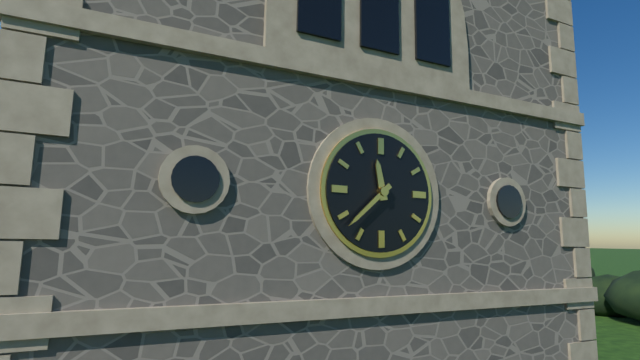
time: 11:38
